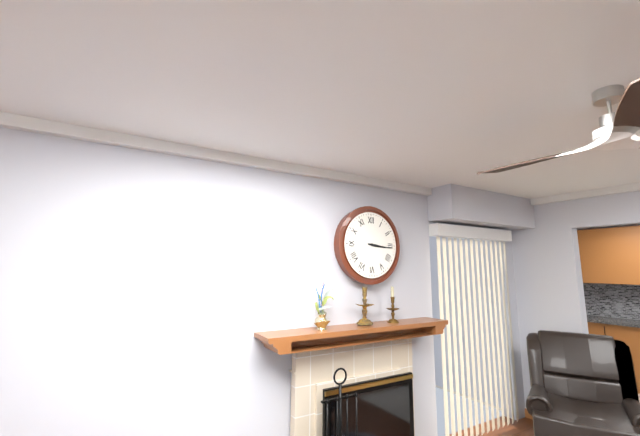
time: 3:16
